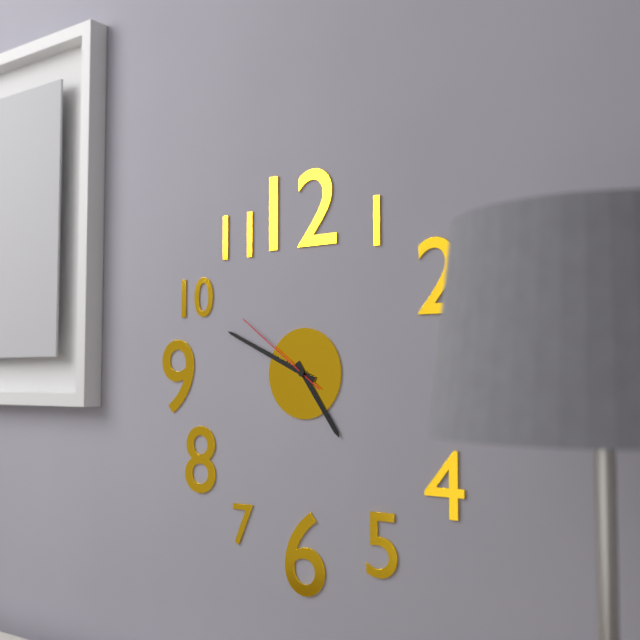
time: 4:49:51
